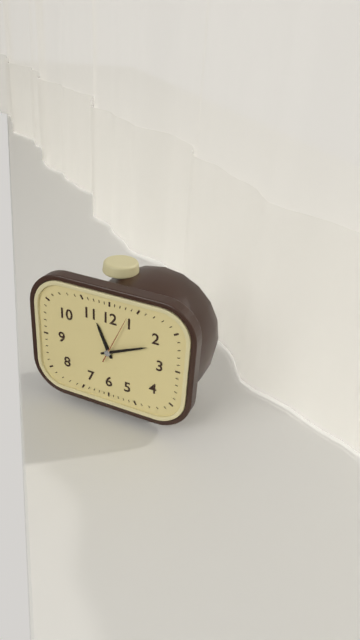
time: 11:11
